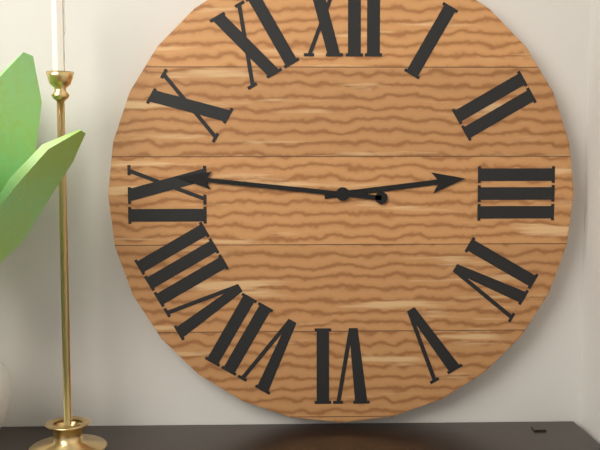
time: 2:46
